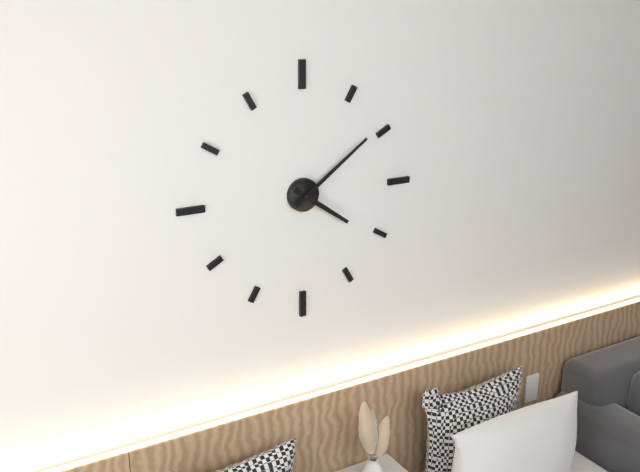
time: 4:09
